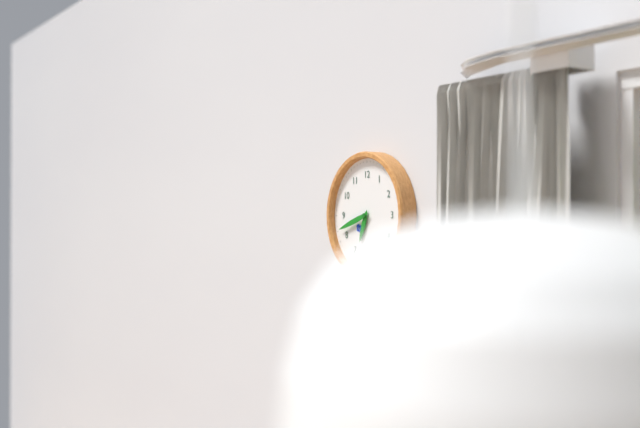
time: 6:42
